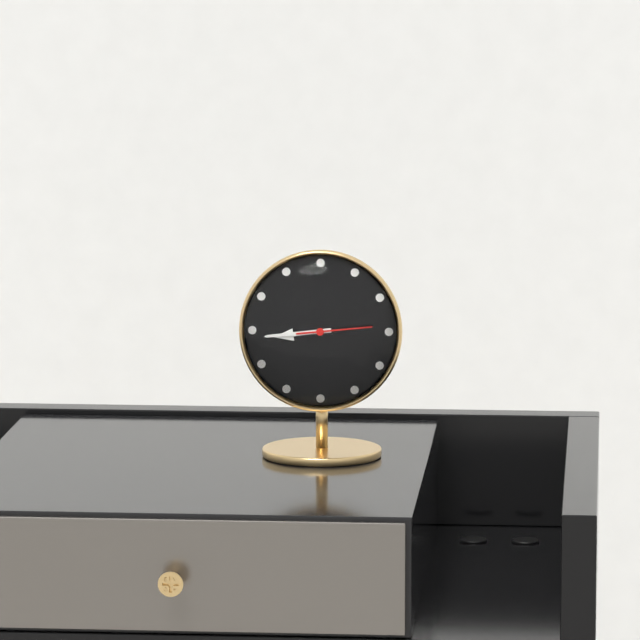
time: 8:44:14
